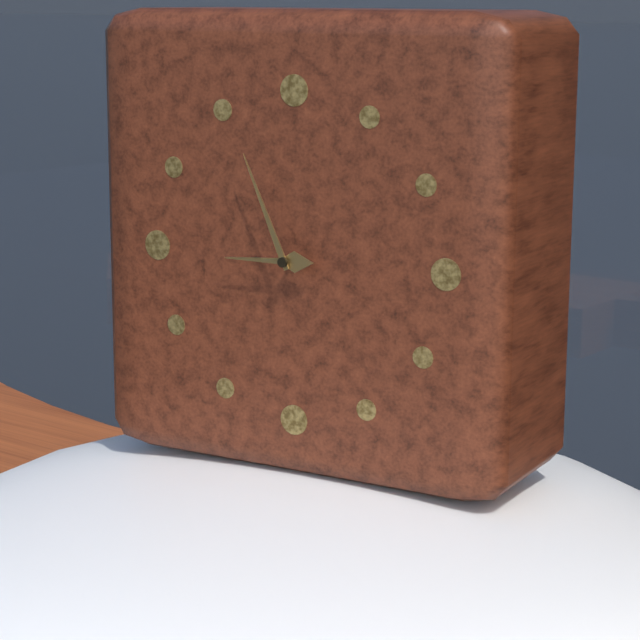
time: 8:56
